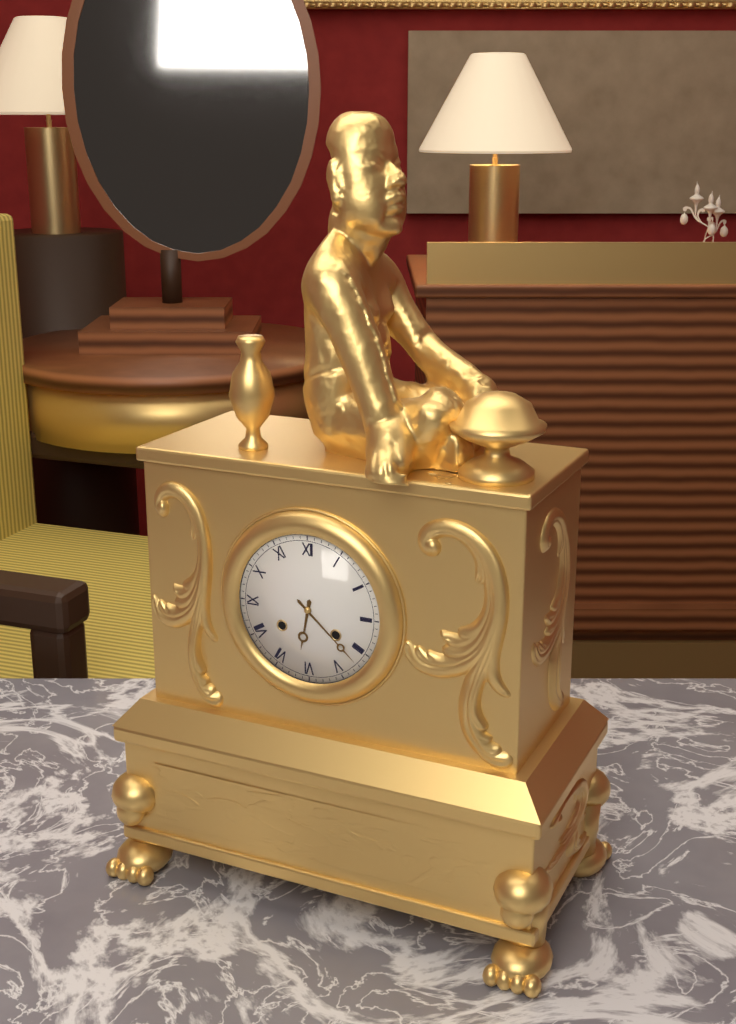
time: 6:22
